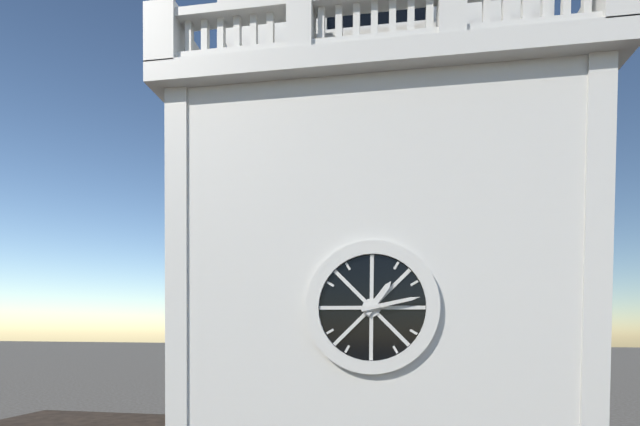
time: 1:13
